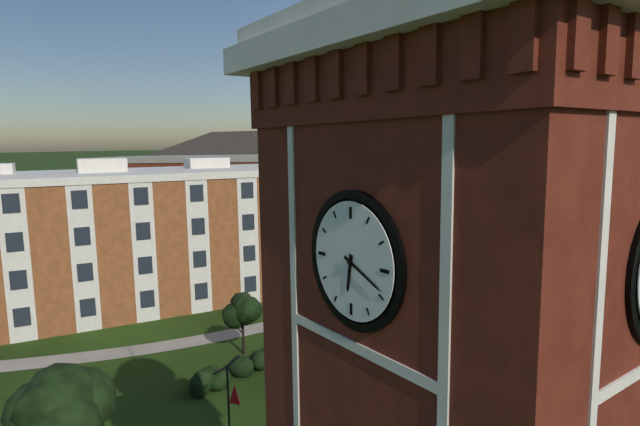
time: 6:19
